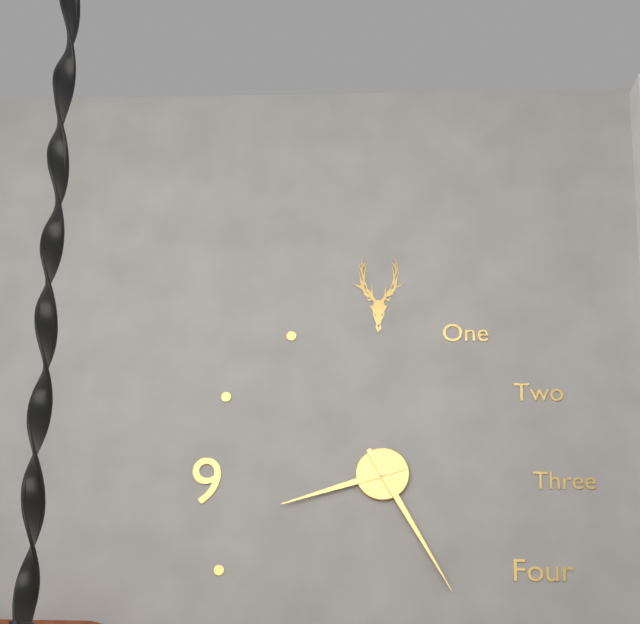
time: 8:25
